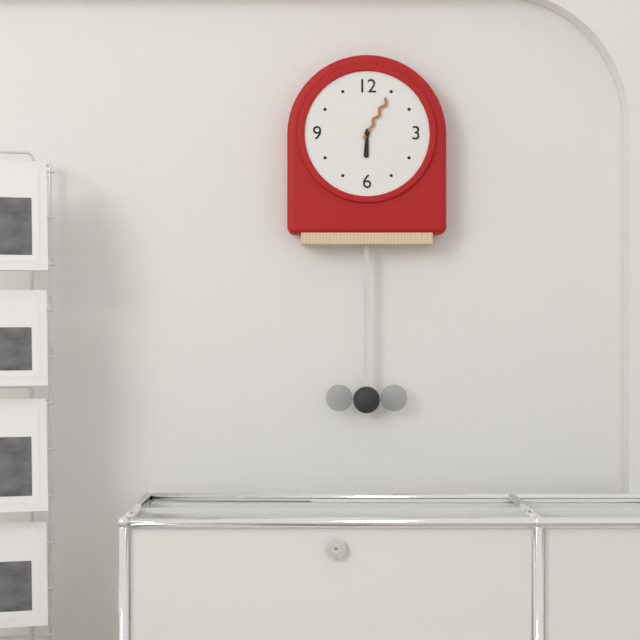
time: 6:05
